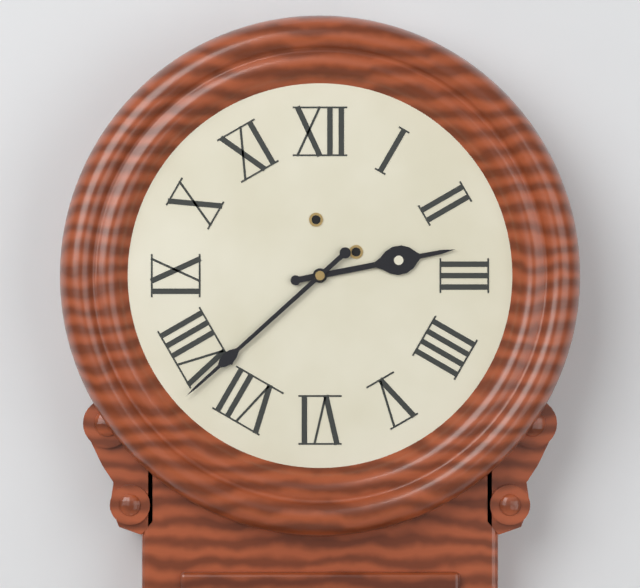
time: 2:38
